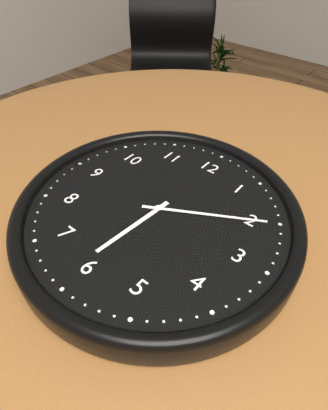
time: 6:10
